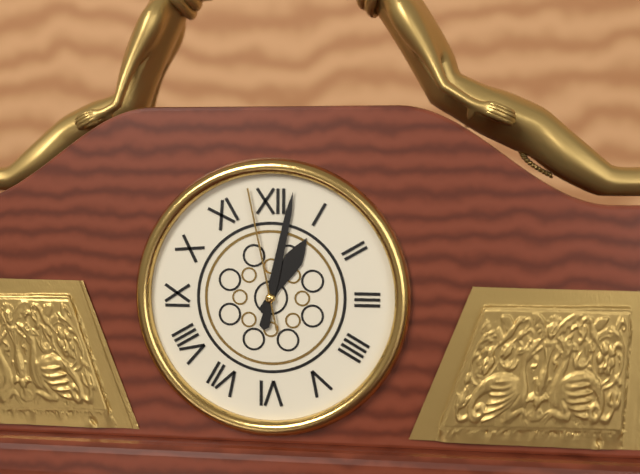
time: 1:02:58
